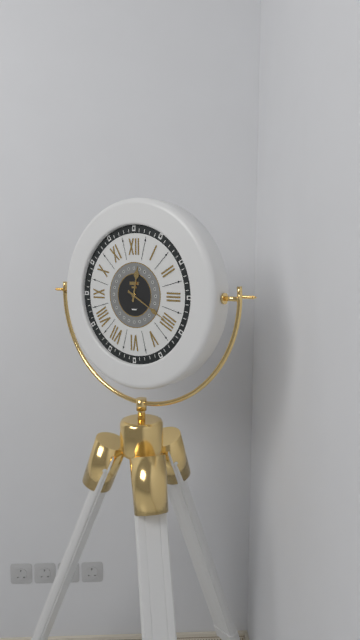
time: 12:20
